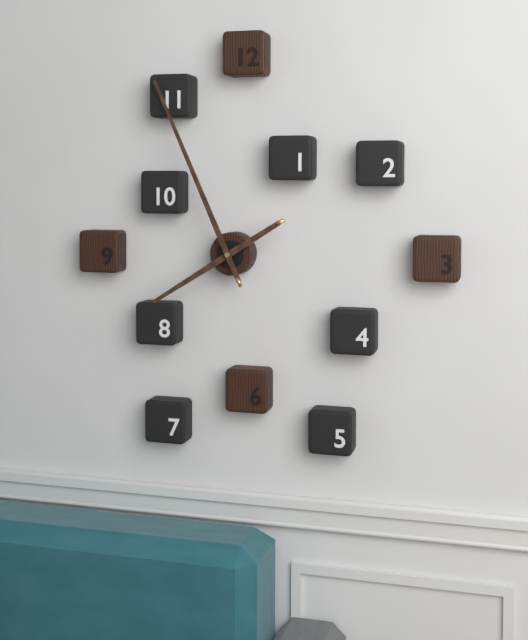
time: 7:56
